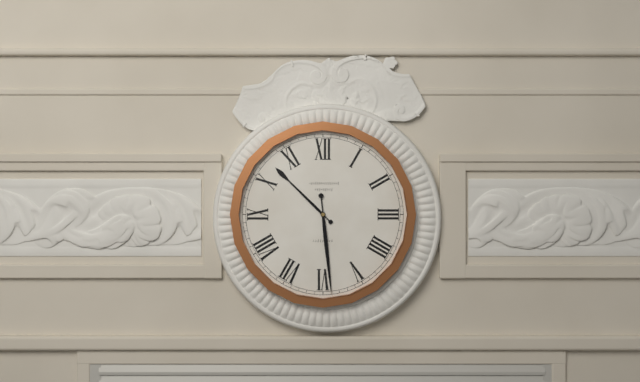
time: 10:29
